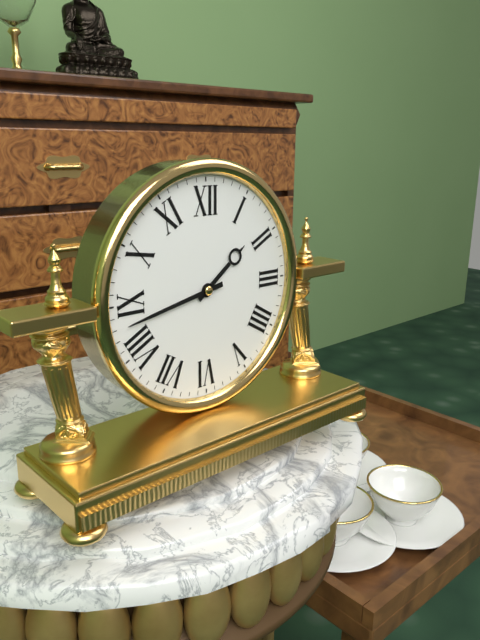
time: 1:43
